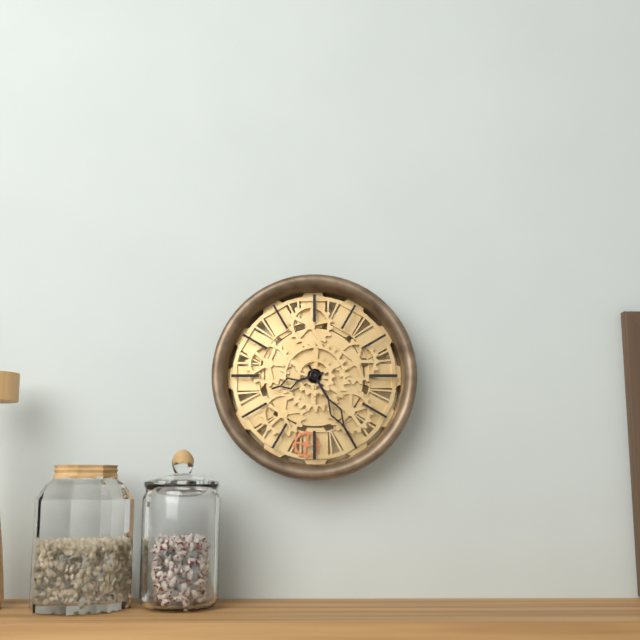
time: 8:25
